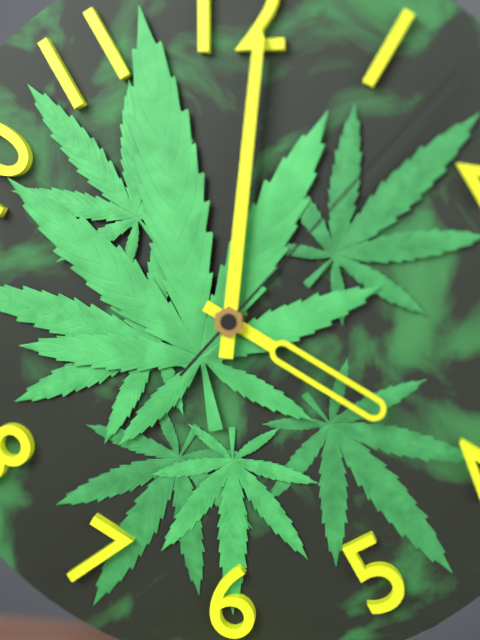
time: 4:01:07
